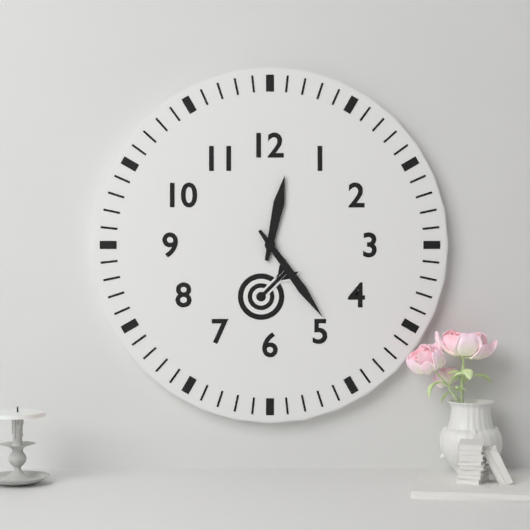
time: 12:24
